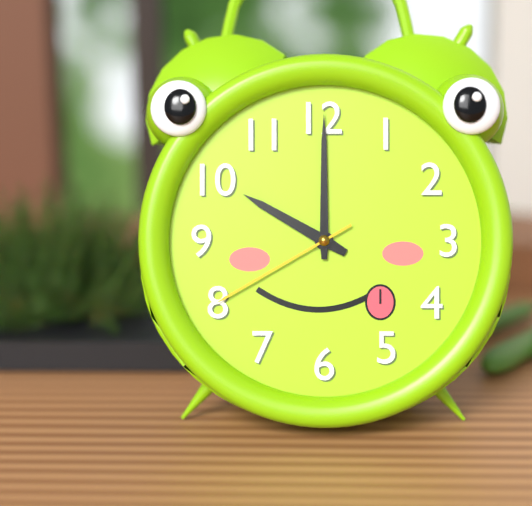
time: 10:00:40
